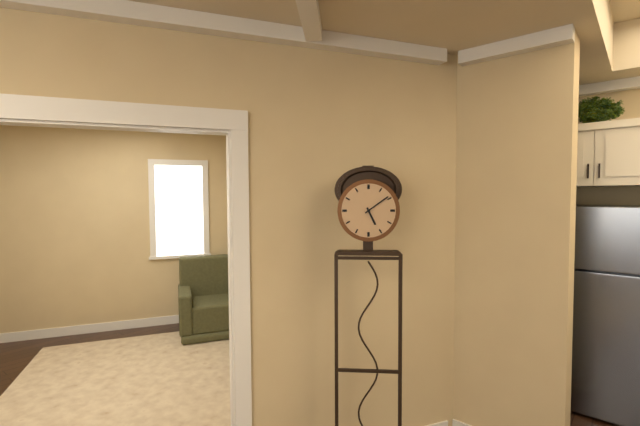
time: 5:09
